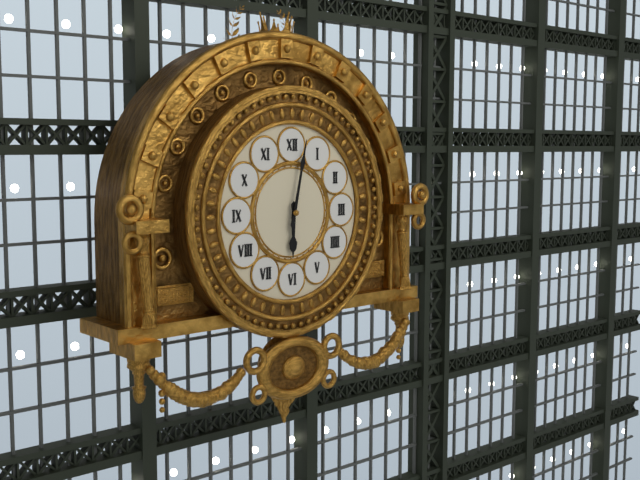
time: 6:02
